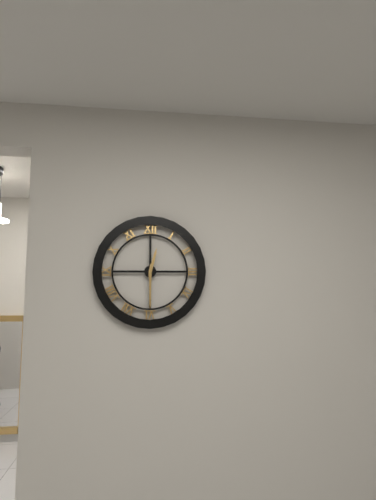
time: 12:30
